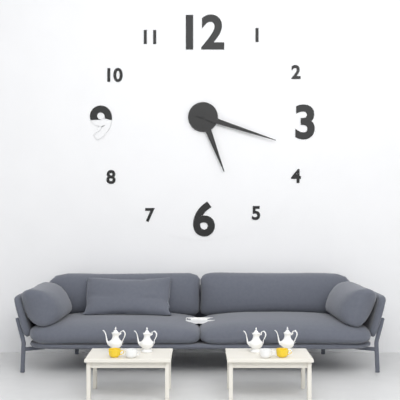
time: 5:18
